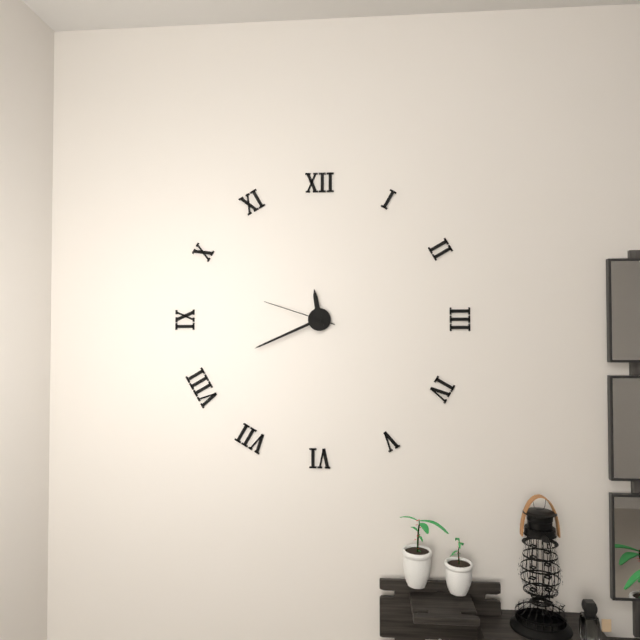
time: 11:41:48
